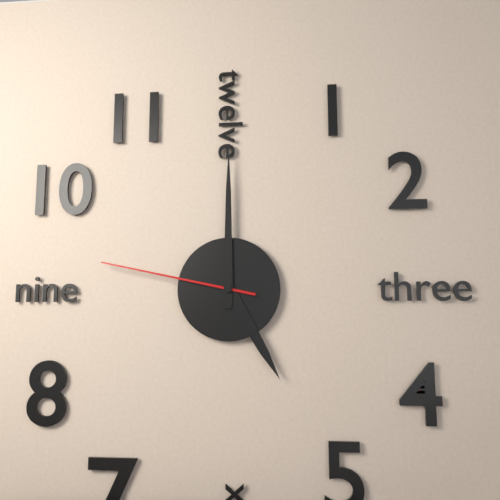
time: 5:00:47
